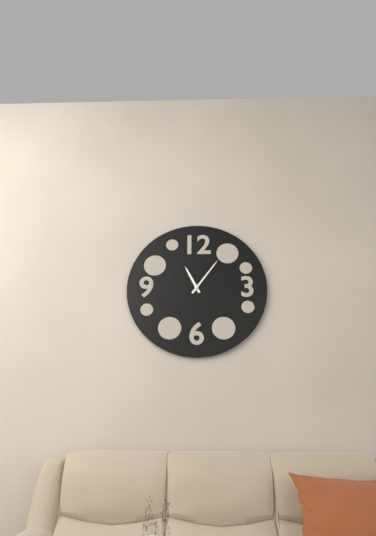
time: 11:06
